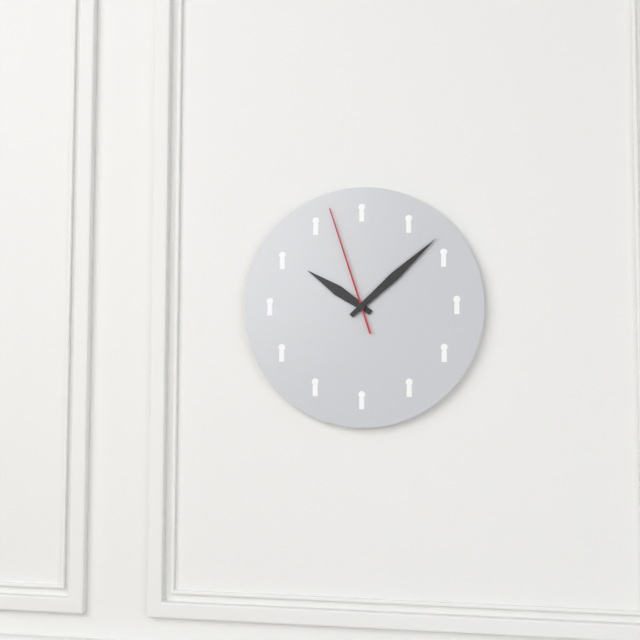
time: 10:08:57
